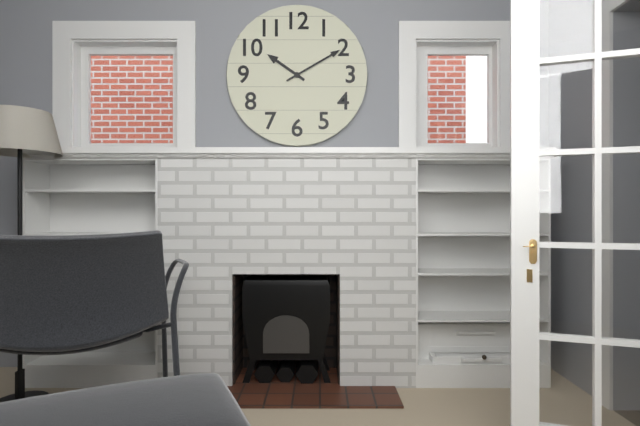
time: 10:10
